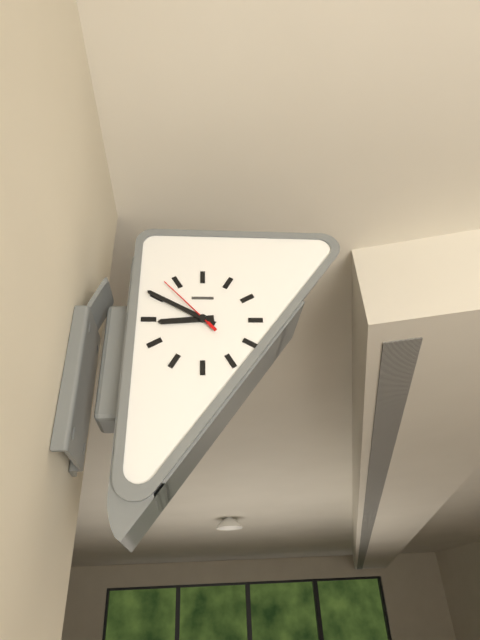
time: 8:50:53
